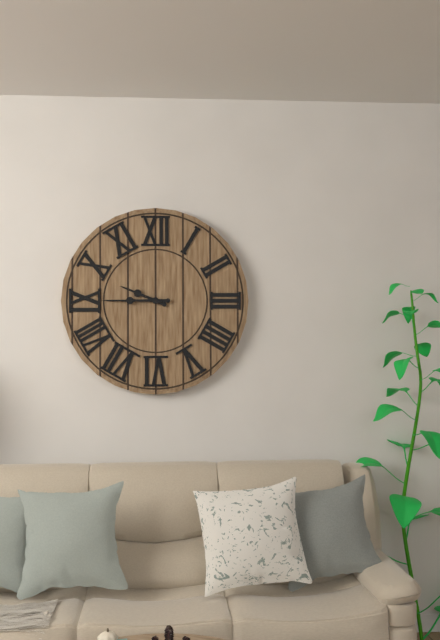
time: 9:45
